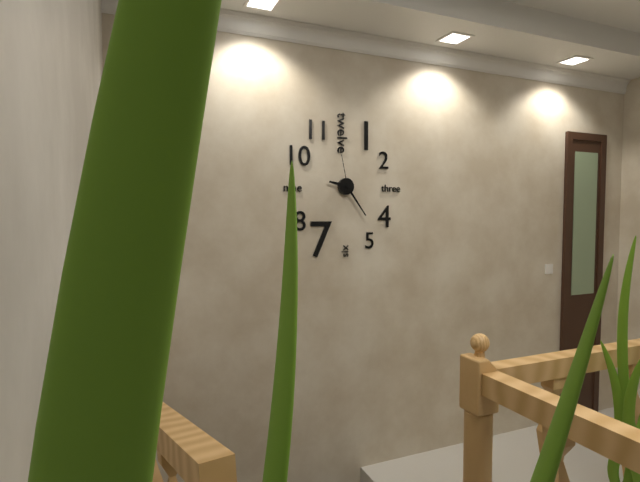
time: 9:24
